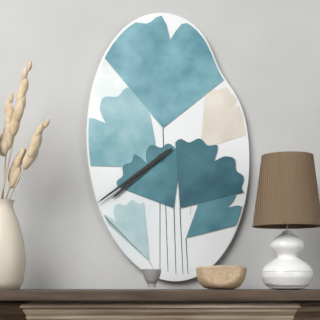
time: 7:39
